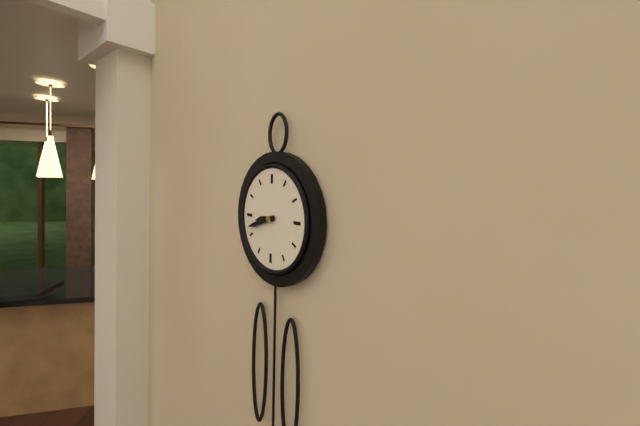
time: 8:42
